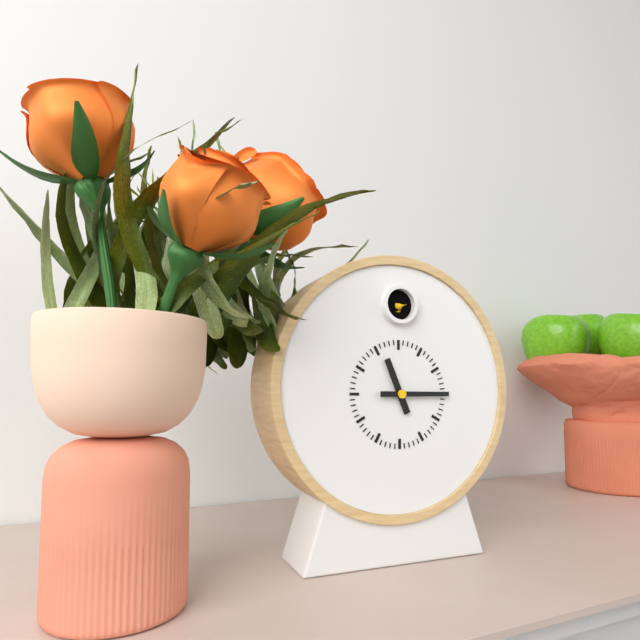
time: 11:15
